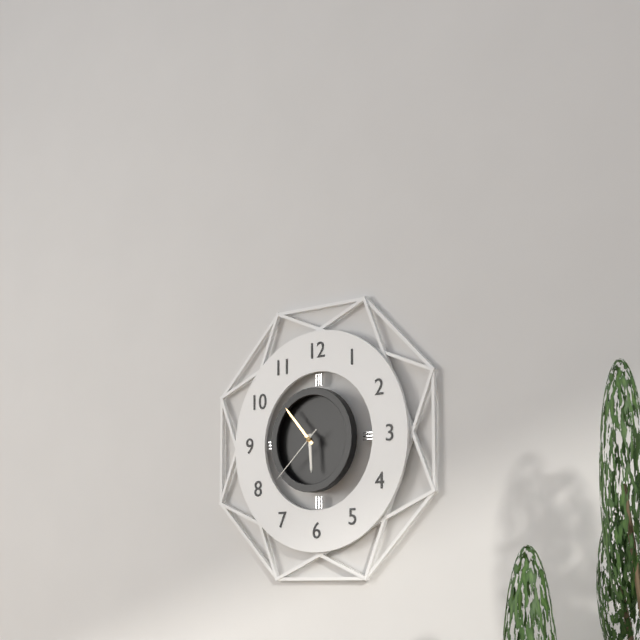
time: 5:53:38
